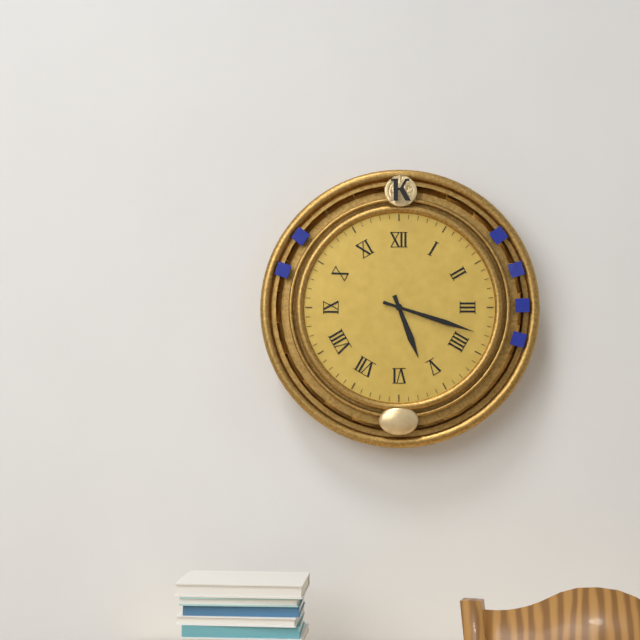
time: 5:18
